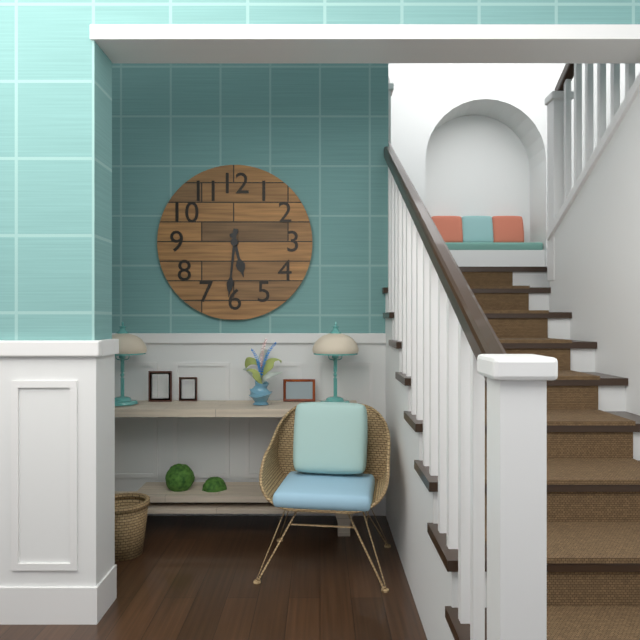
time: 5:31
